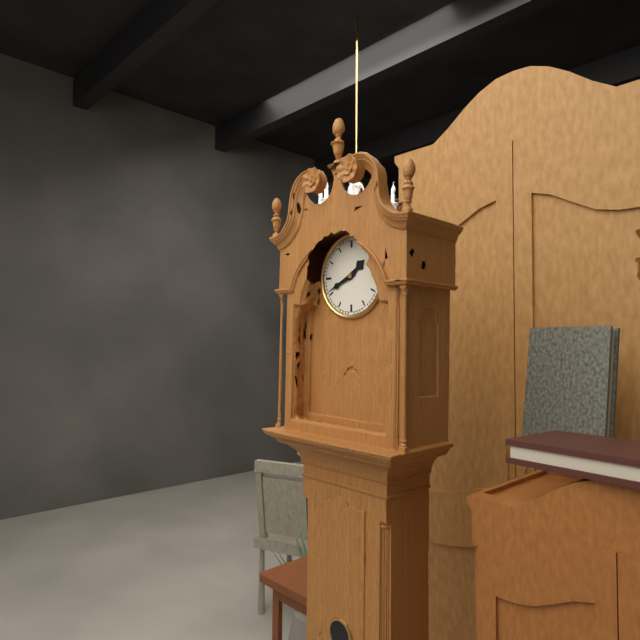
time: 1:41
